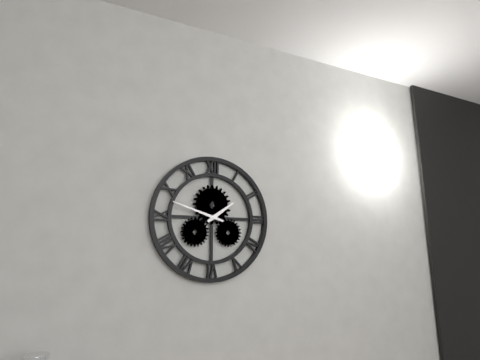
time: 1:48
